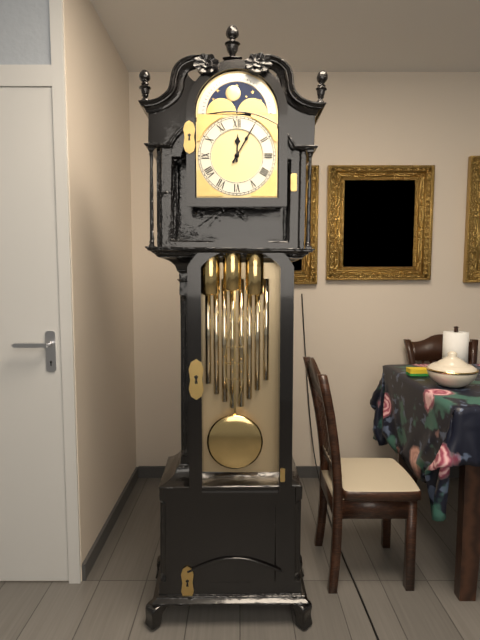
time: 12:05
